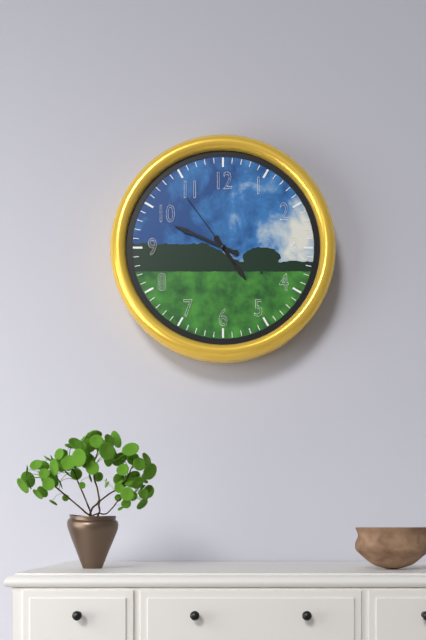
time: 4:49:54
